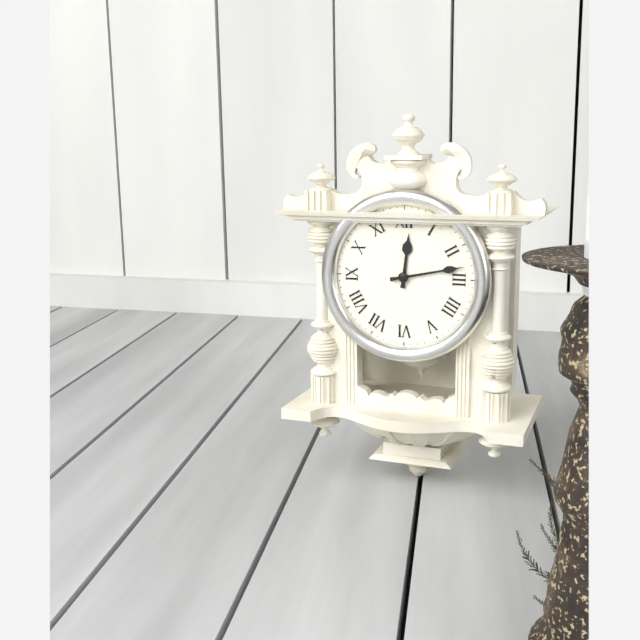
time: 12:13
